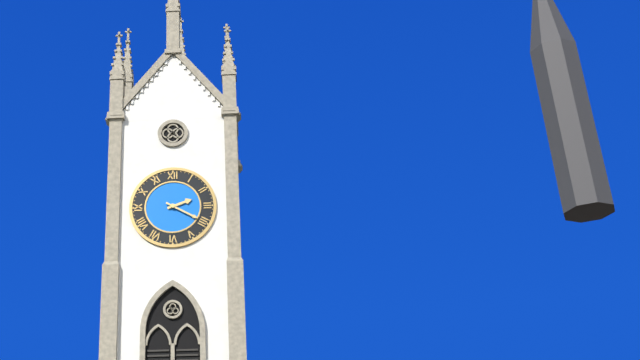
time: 2:20
